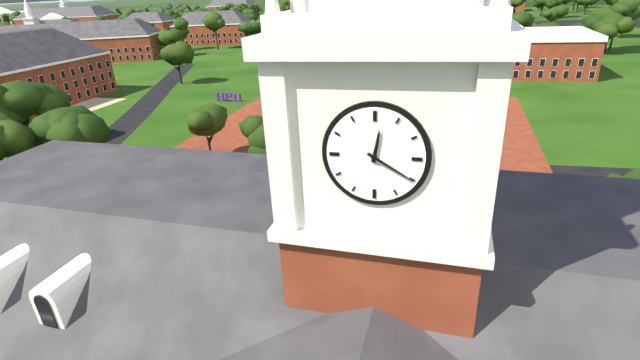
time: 12:20
